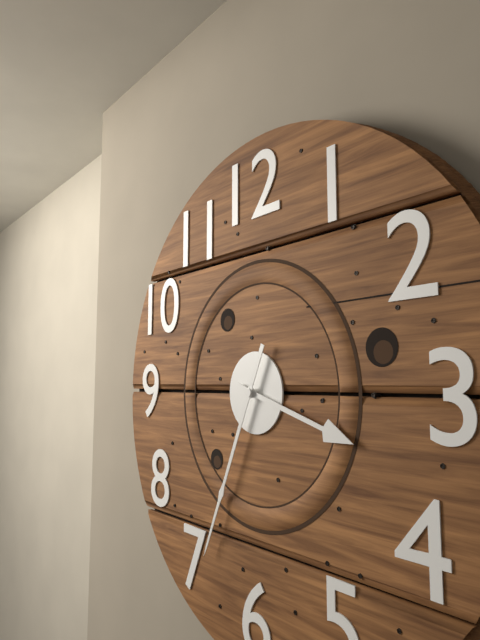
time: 3:34
